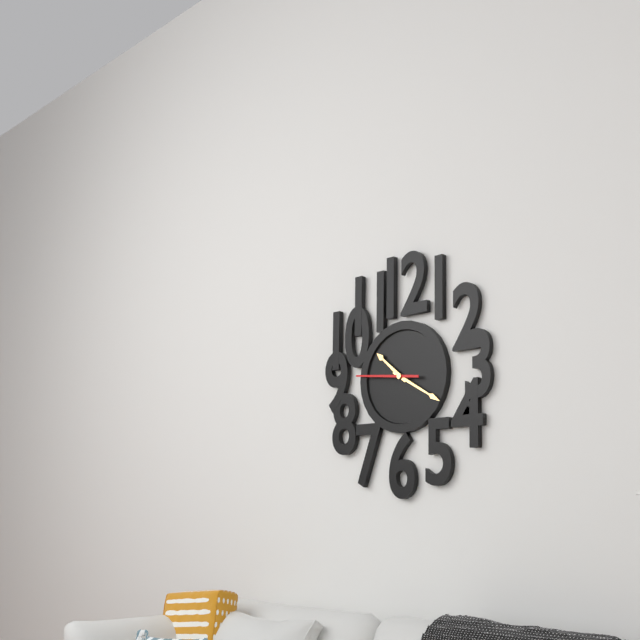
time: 10:20:46
